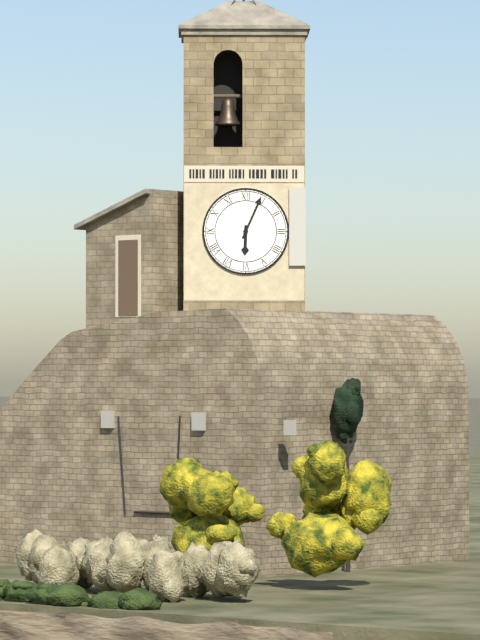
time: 6:04
